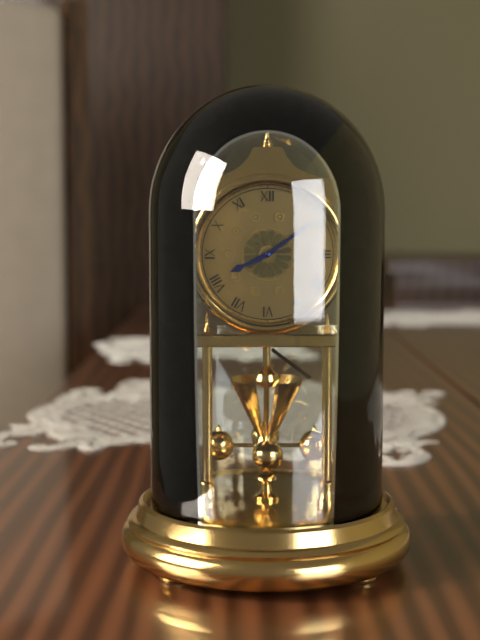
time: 8:09
